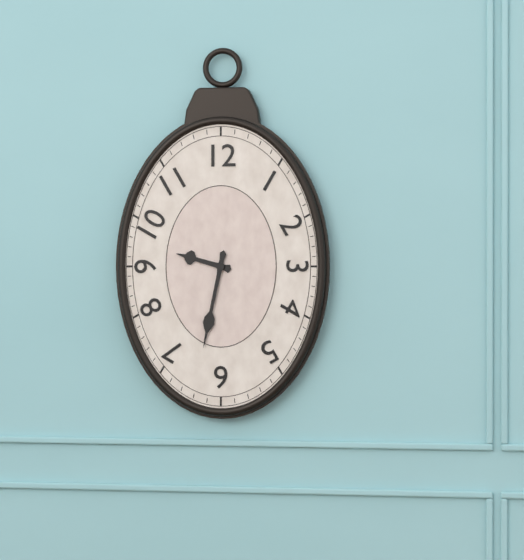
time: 9:32
